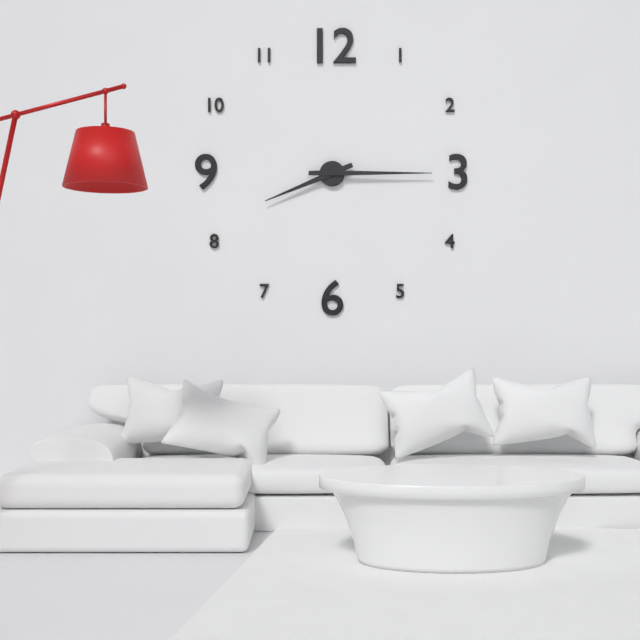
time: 8:15
